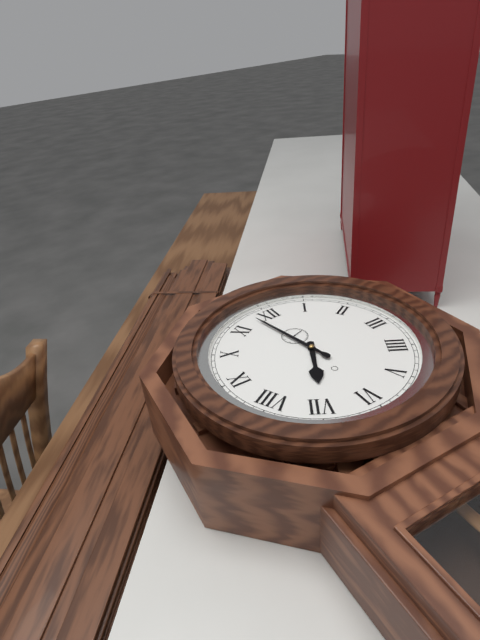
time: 6:58
